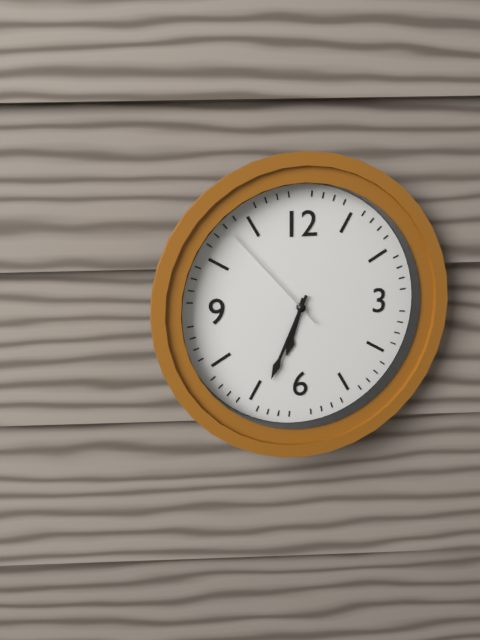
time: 6:34:53
